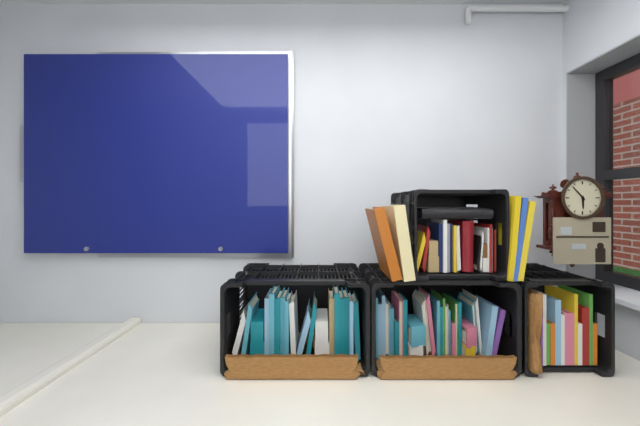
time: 5:53
